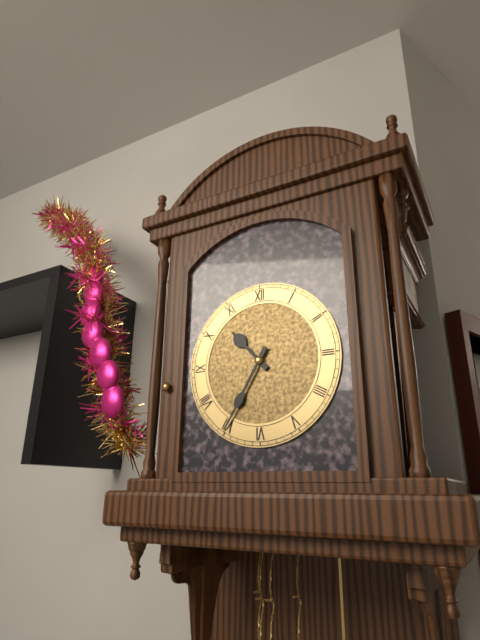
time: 10:35
